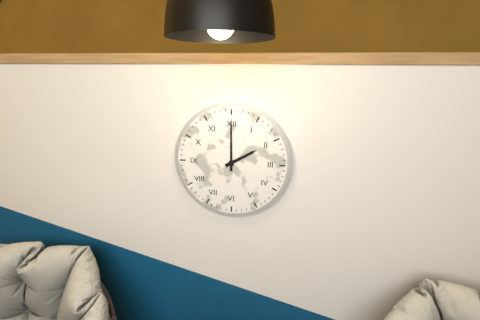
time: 2:00
